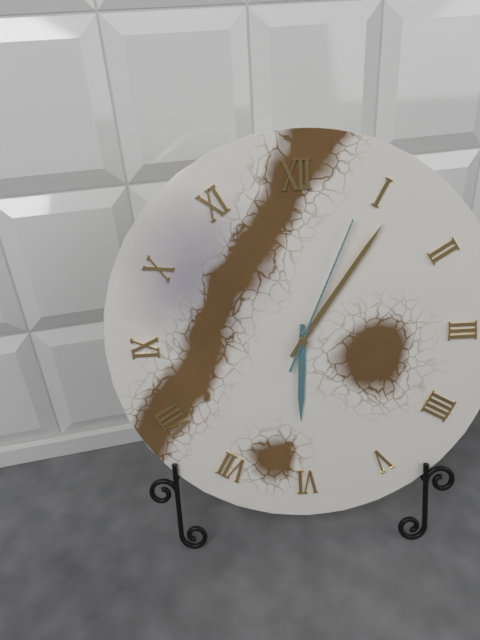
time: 6:06:04
